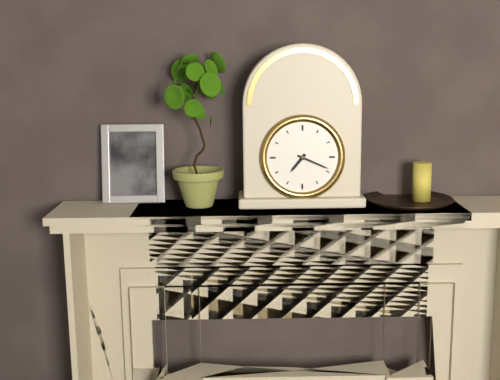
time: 7:19
